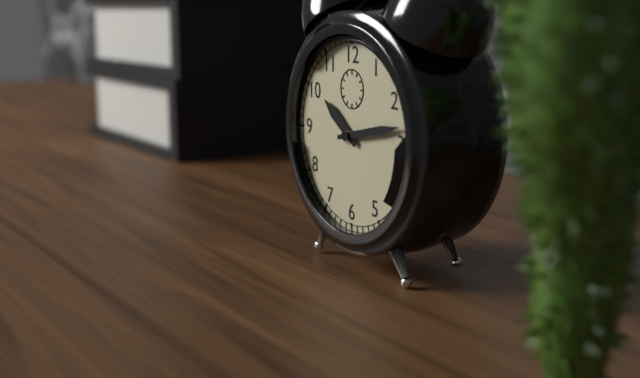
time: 10:13
